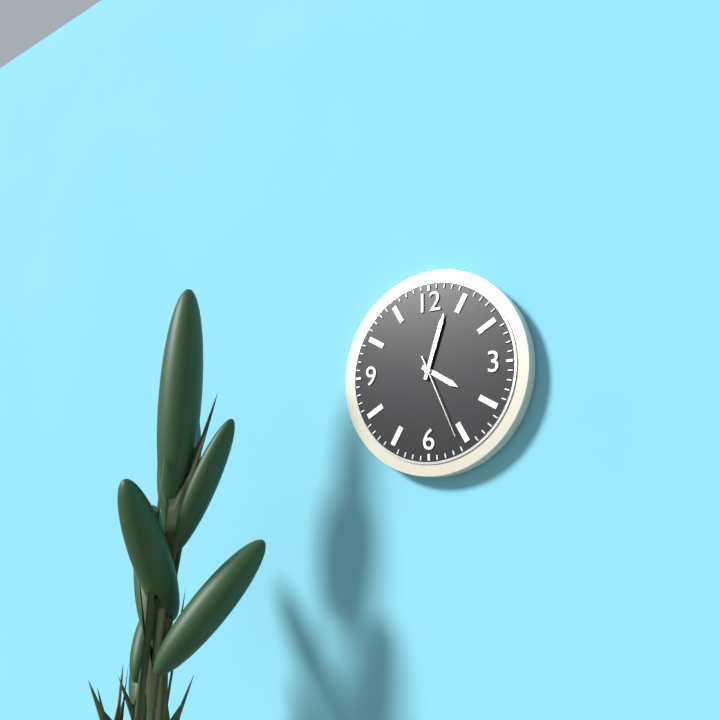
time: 4:03:26
